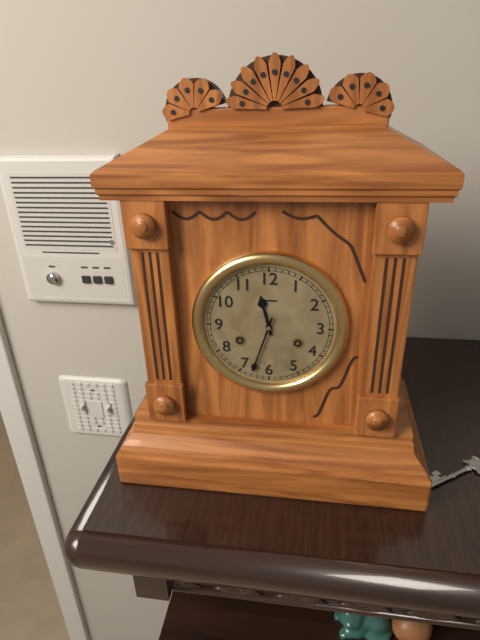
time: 11:33
